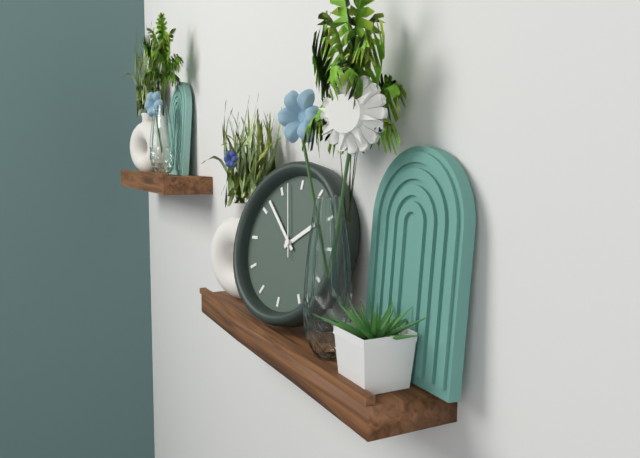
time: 1:52:57
